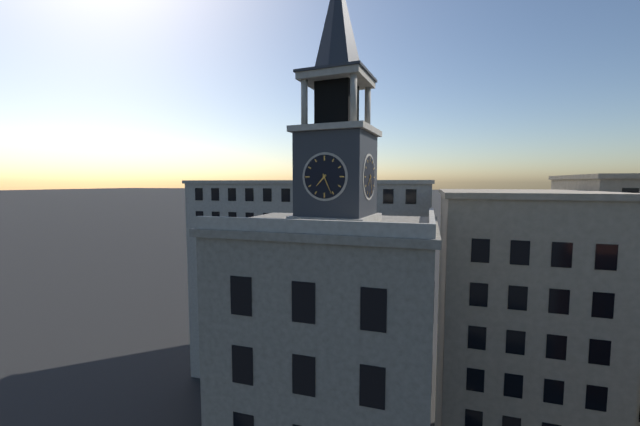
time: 7:26
